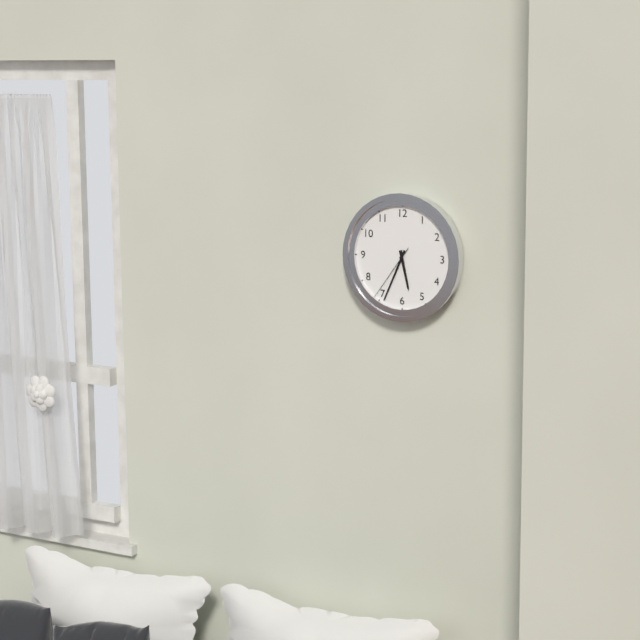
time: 5:34:36
